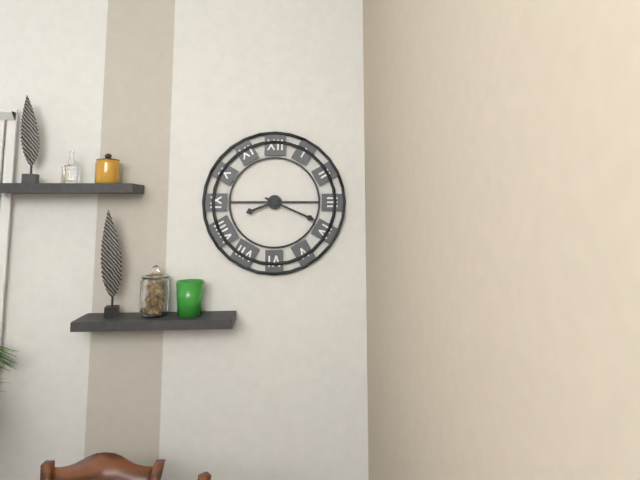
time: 8:19
